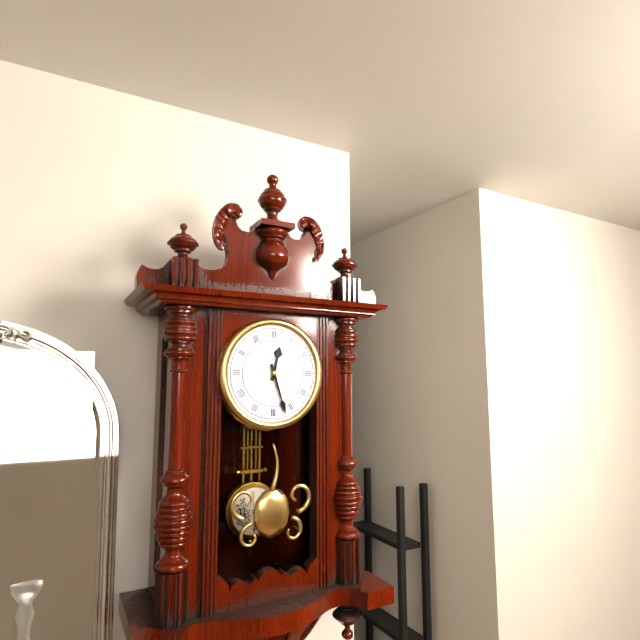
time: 12:27
